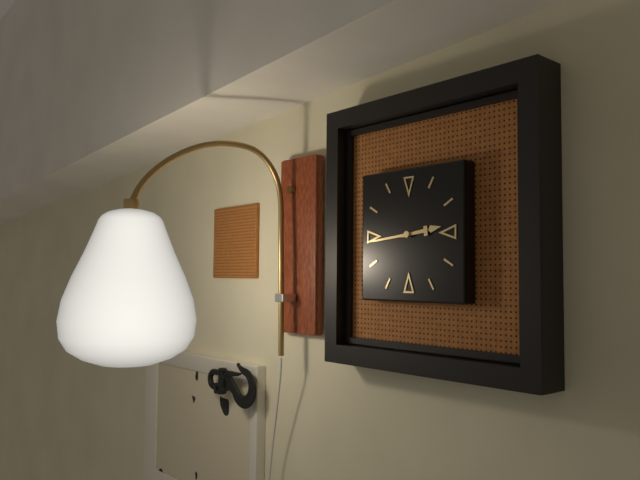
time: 2:44
